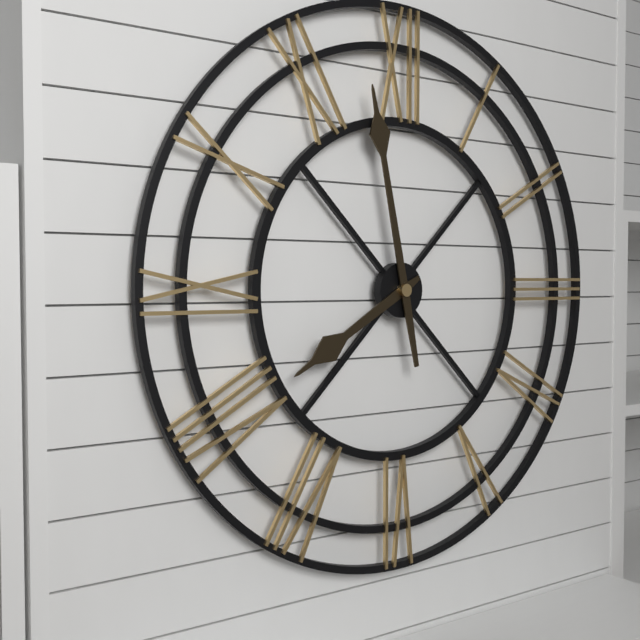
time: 7:58
